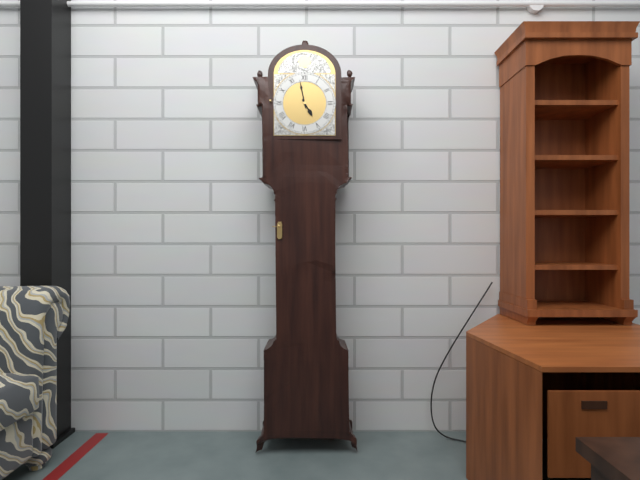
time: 4:58
